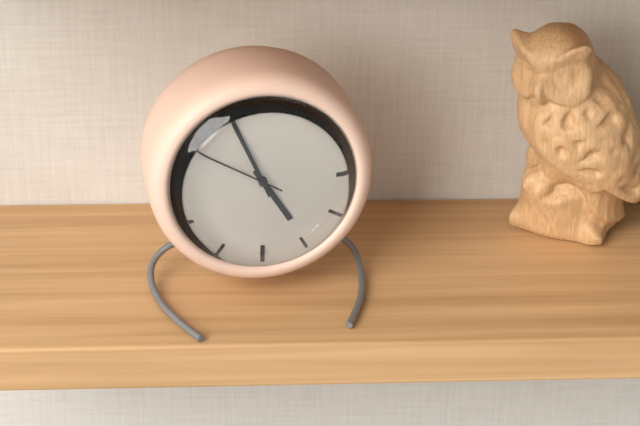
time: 4:56:50
